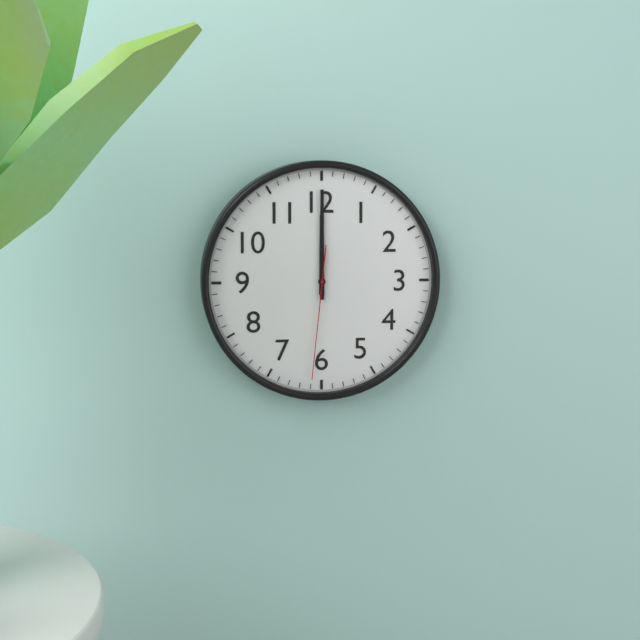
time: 12:00:31
